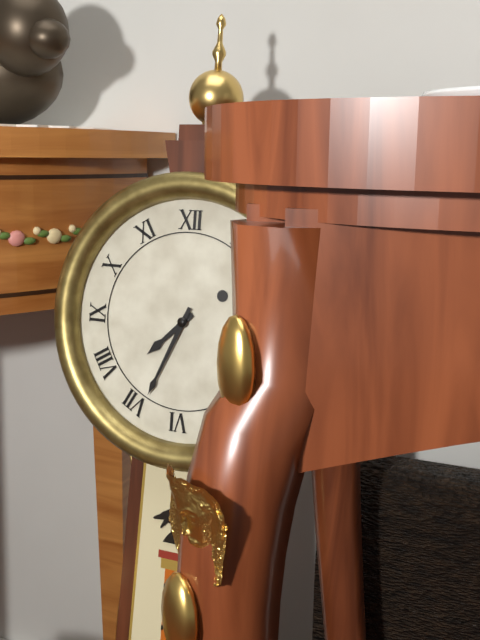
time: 7:34
